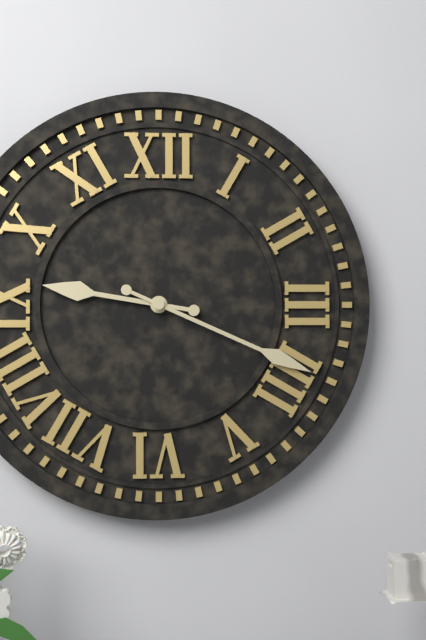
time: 9:19
